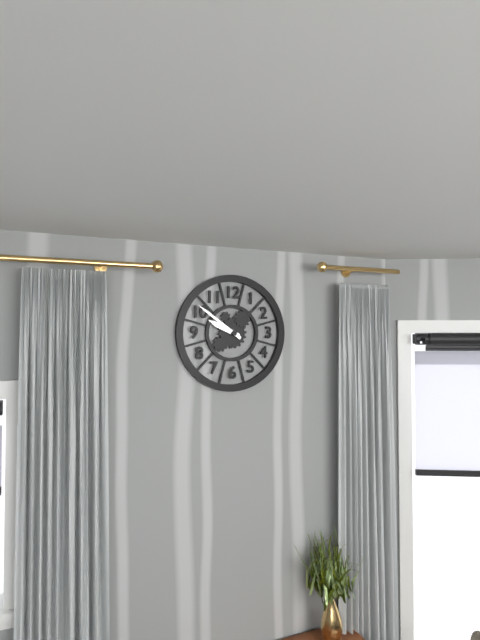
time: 9:51
